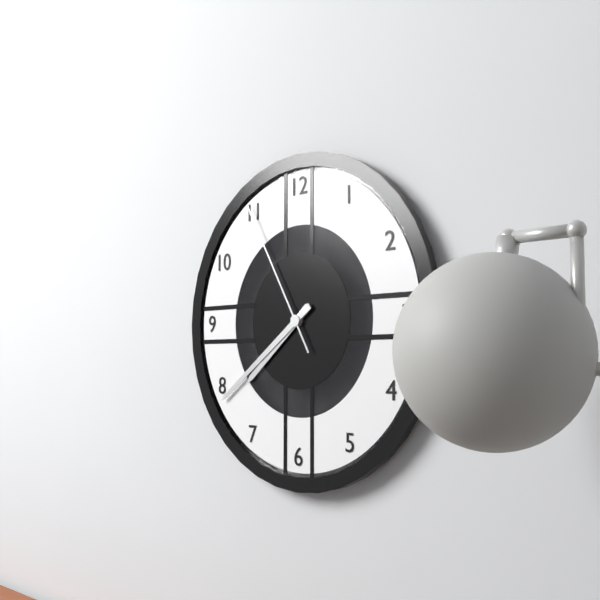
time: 7:39:55
